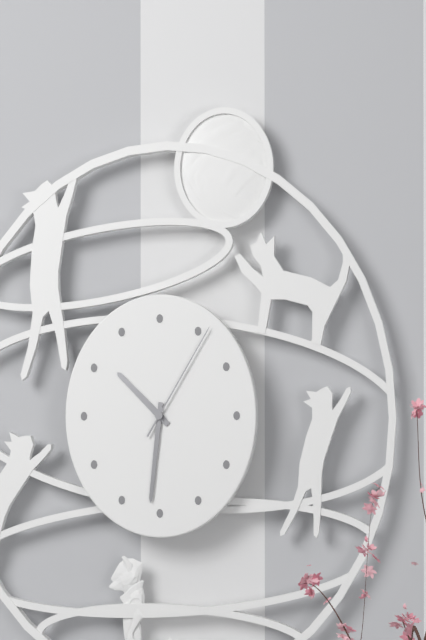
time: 10:31:05
